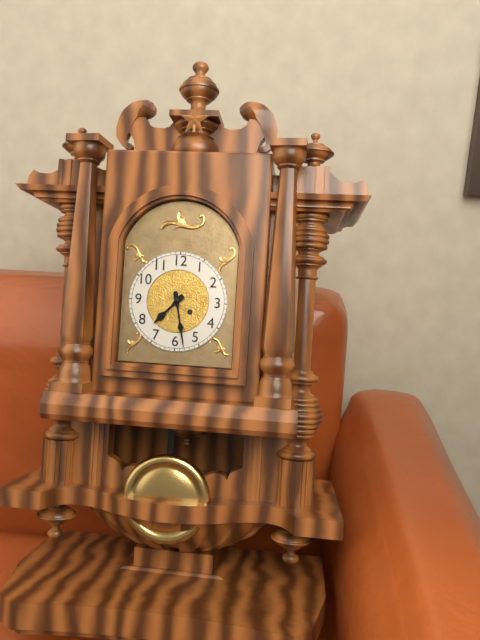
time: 7:28
